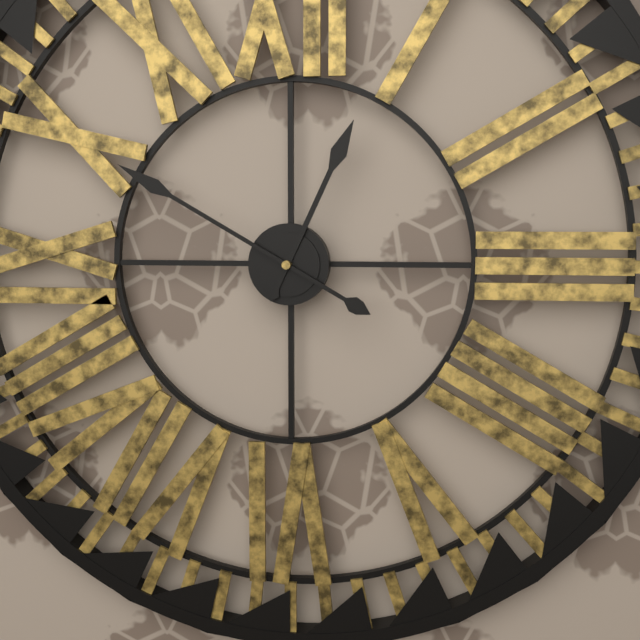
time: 12:50
